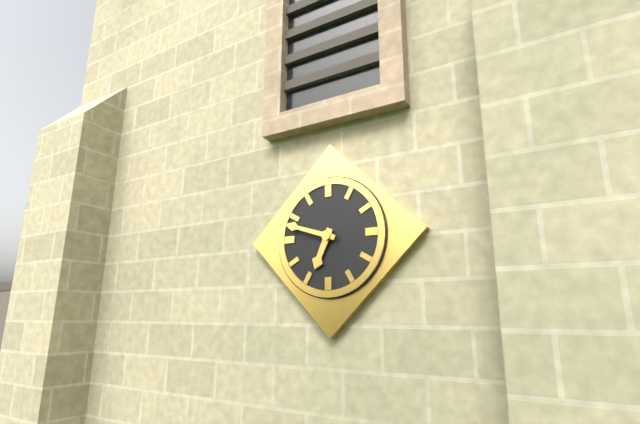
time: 6:48
